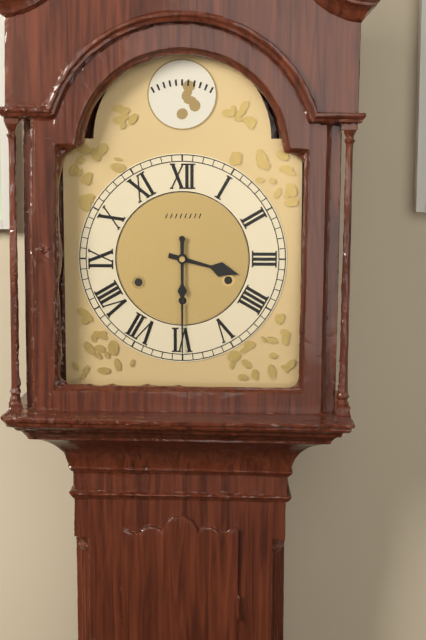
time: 3:30
